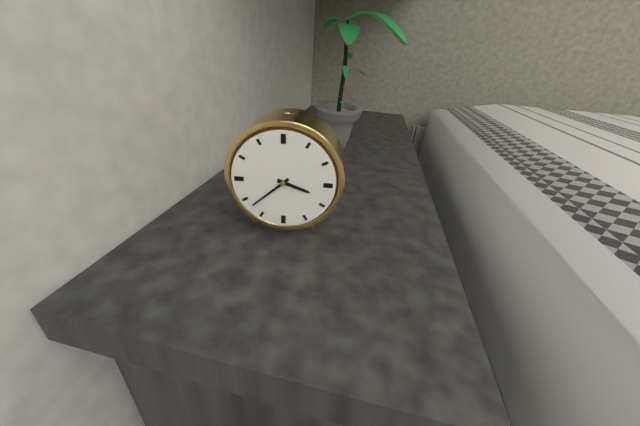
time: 3:38
